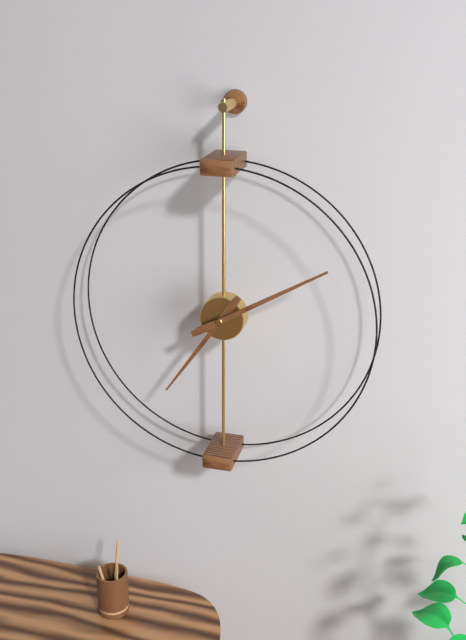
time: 7:10
